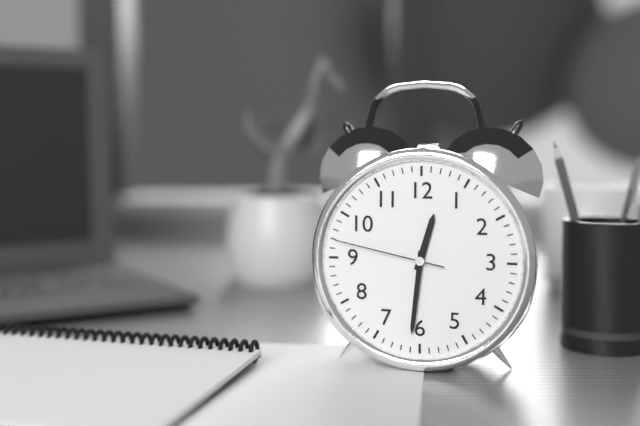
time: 12:31:47
